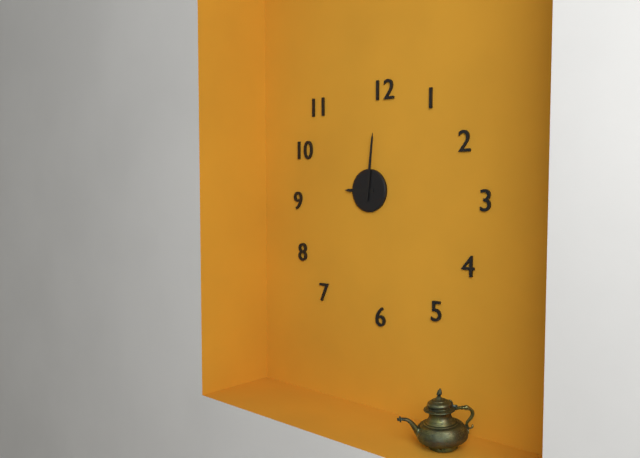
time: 9:01
